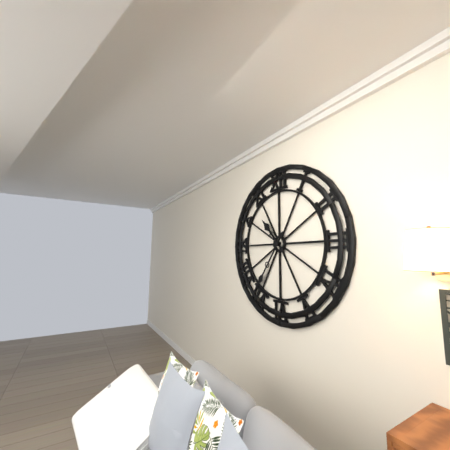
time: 10:36
